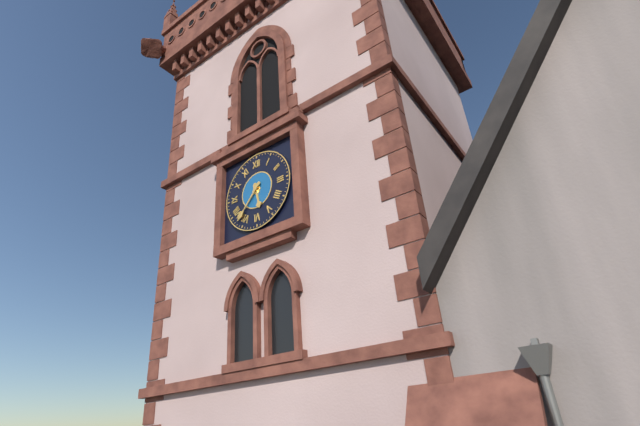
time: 5:37
